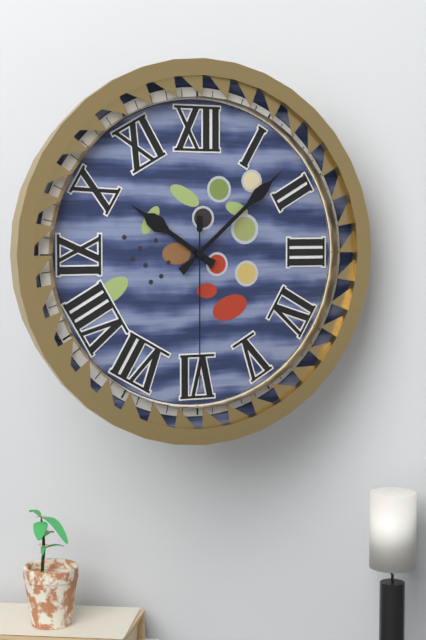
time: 10:08:30
